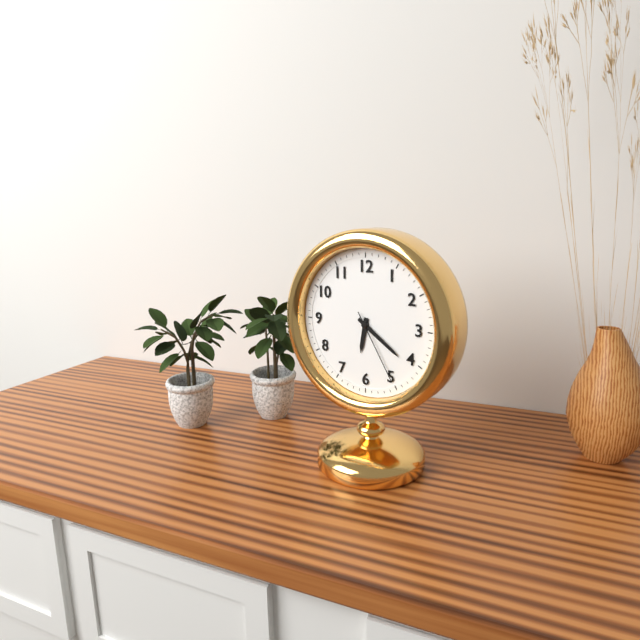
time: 6:21:25
